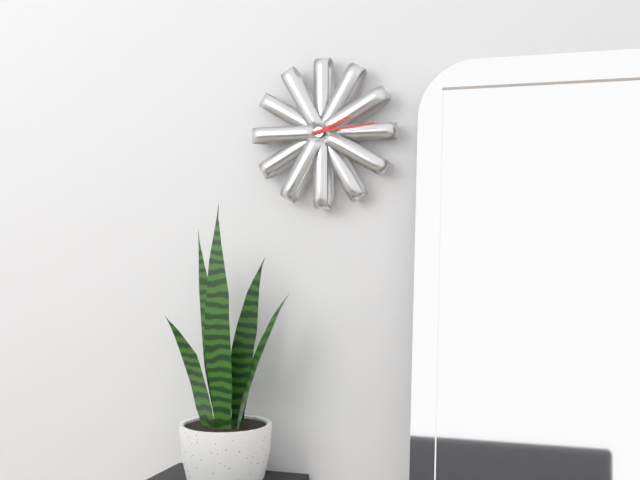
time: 2:14
